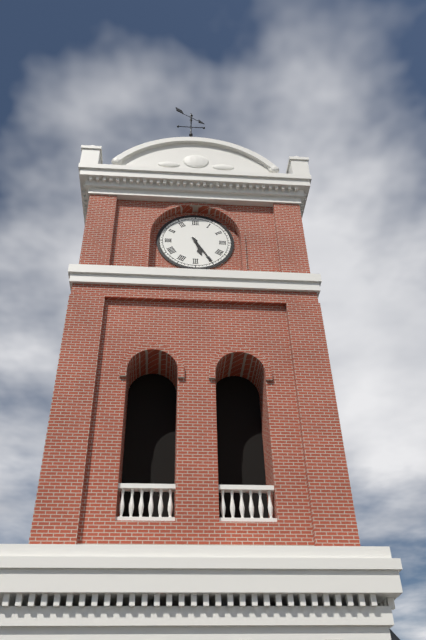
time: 5:25
